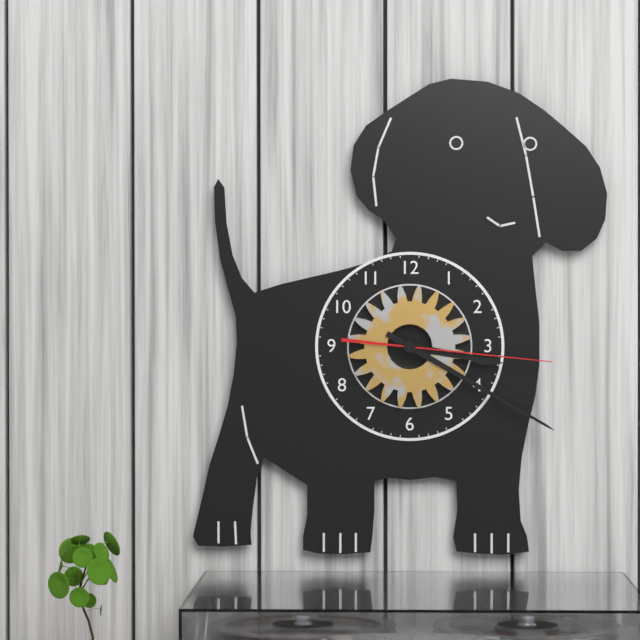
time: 3:20:16
